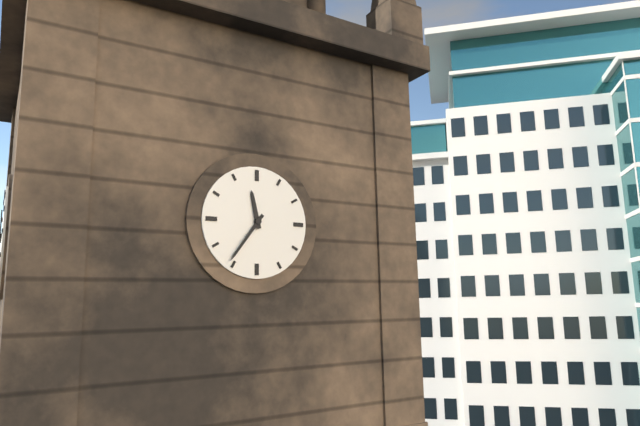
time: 11:36
